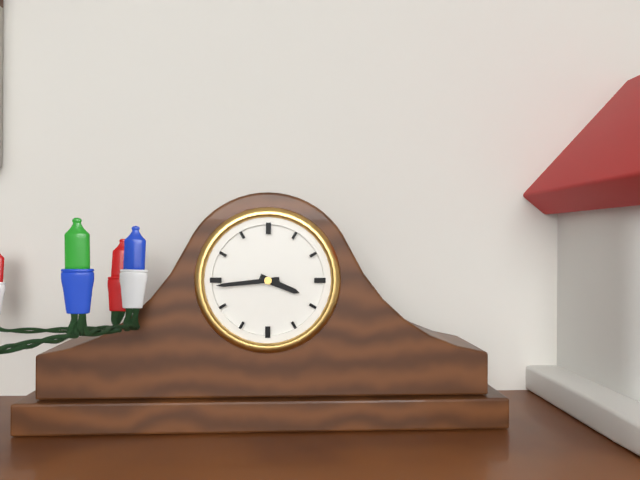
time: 3:44
